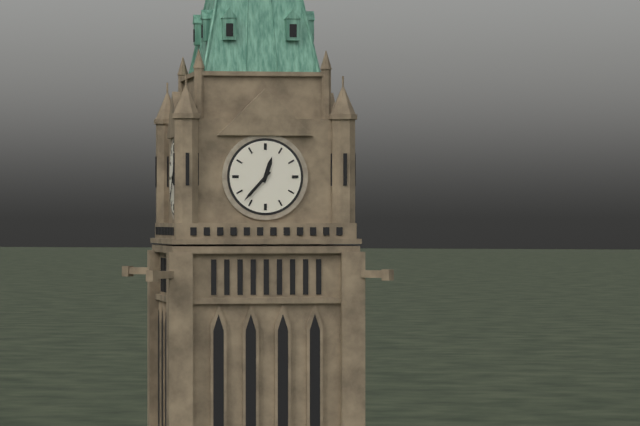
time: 12:37
